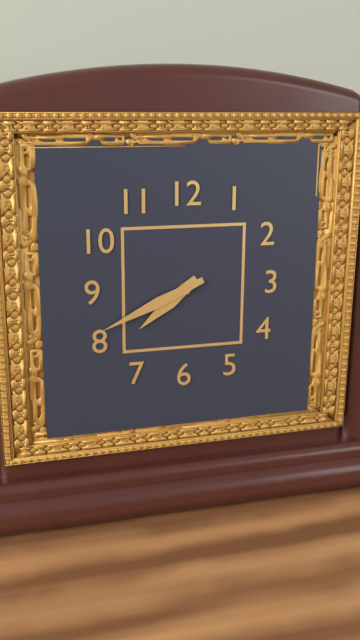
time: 7:41
